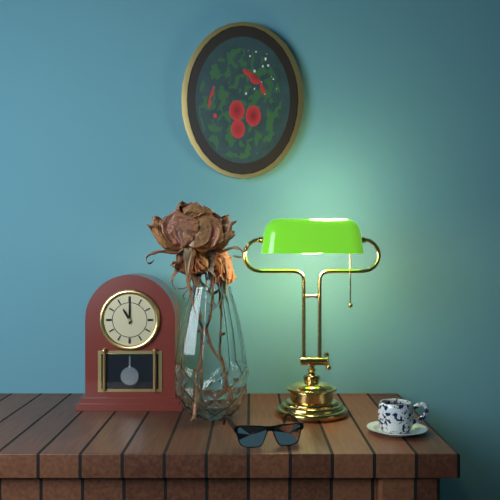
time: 11:00
